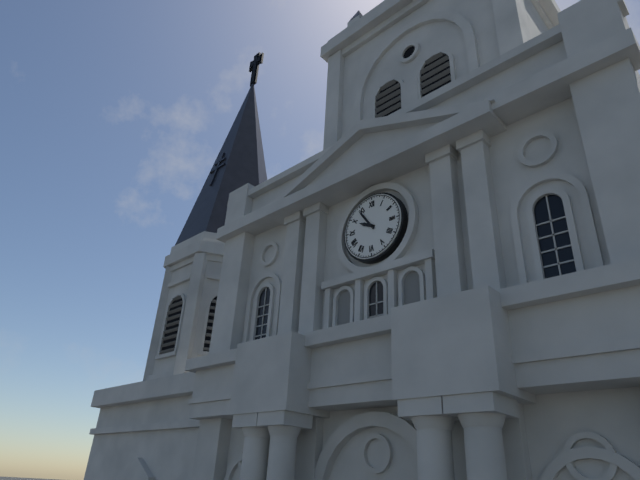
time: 9:54
